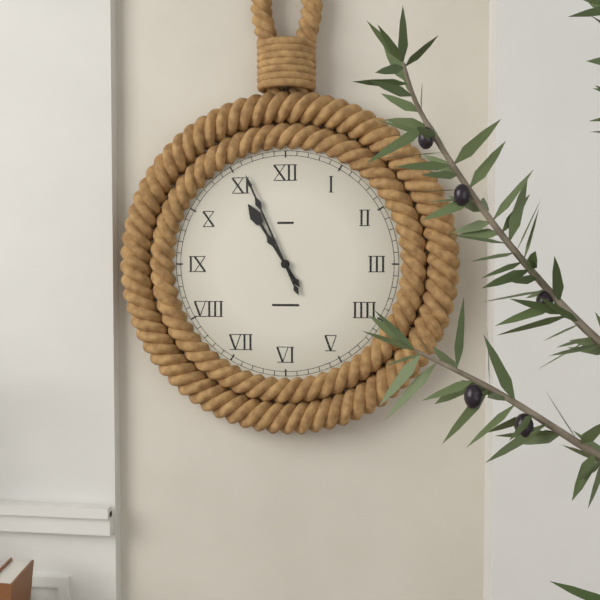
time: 10:56
